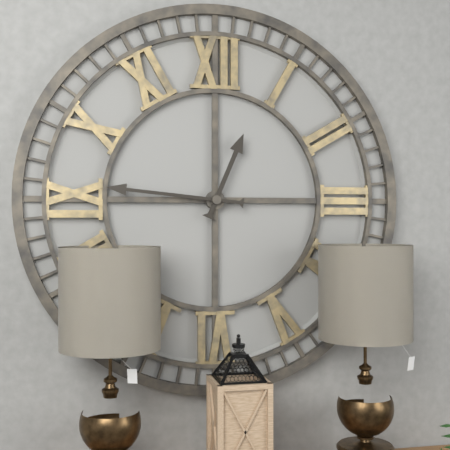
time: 12:46
